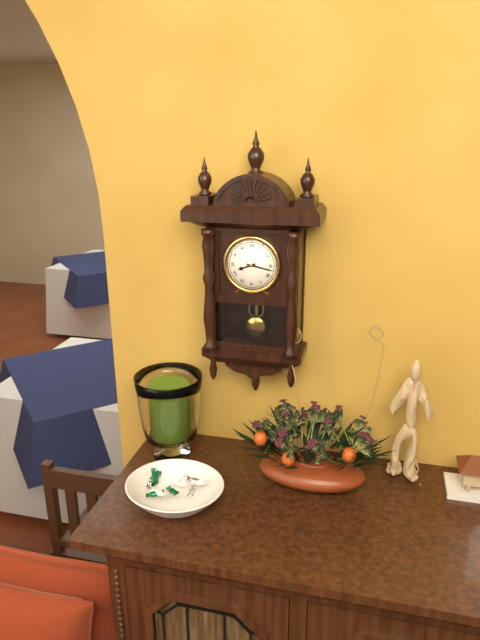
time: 8:17
